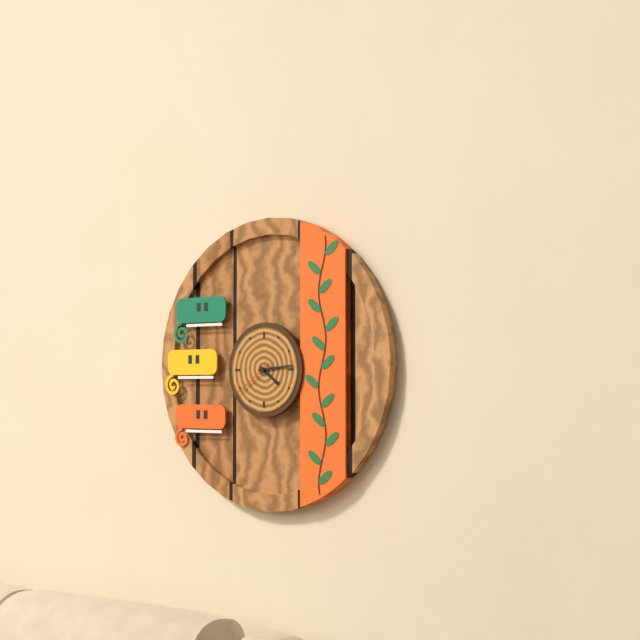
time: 4:14
